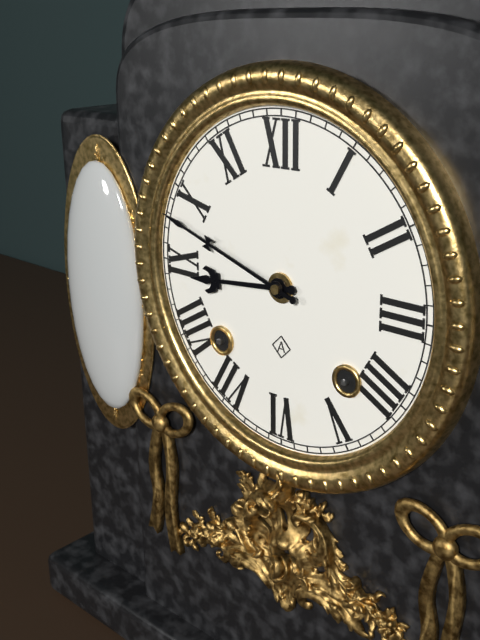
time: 8:48
